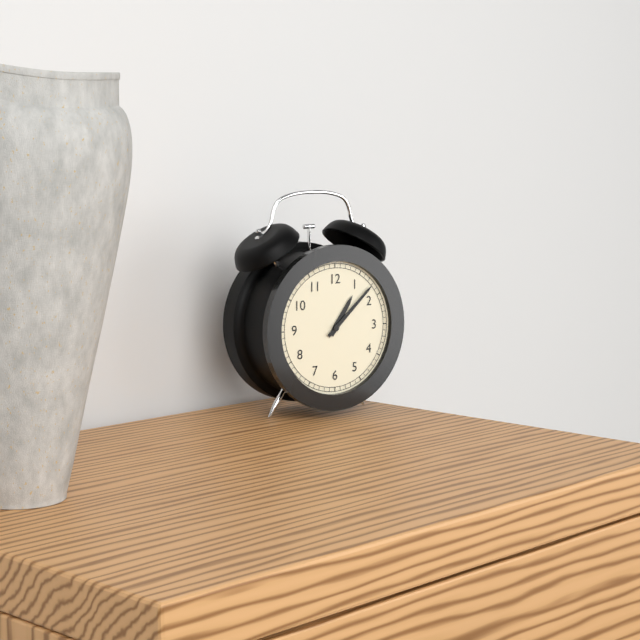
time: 1:08
